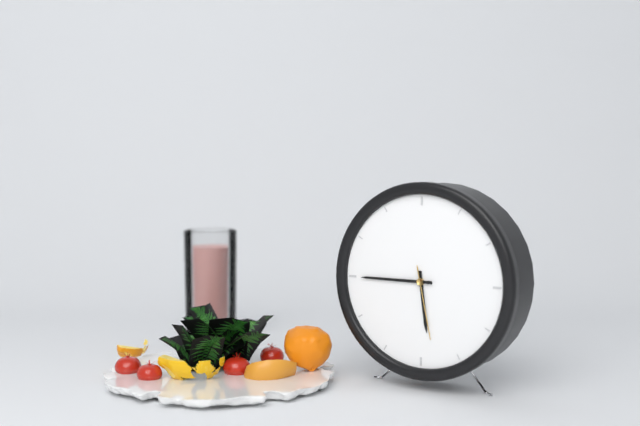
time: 5:45:28
